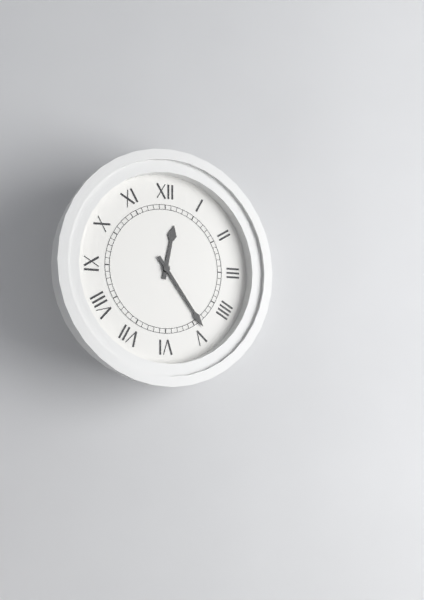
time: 12:24
